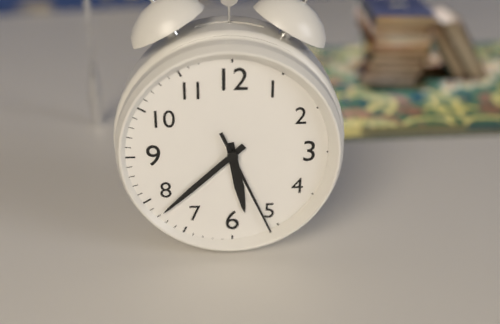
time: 5:38:26
